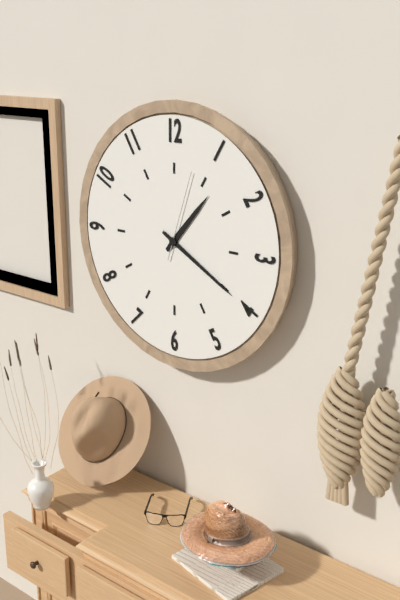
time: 1:20:03
